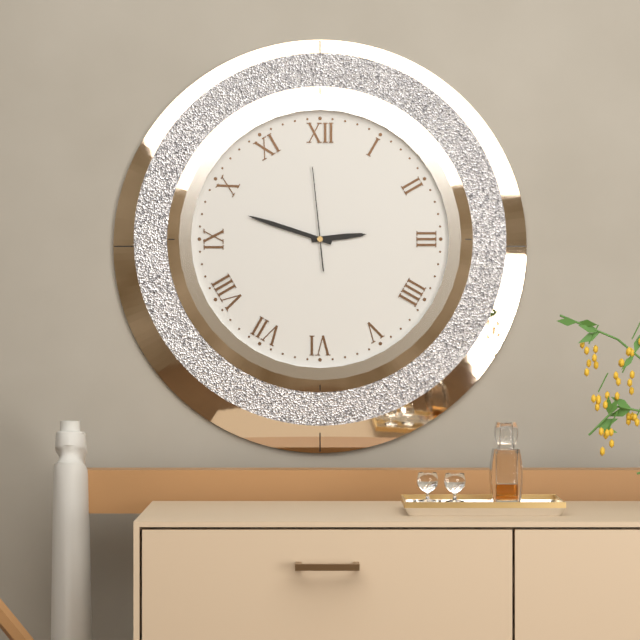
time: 2:48:59
